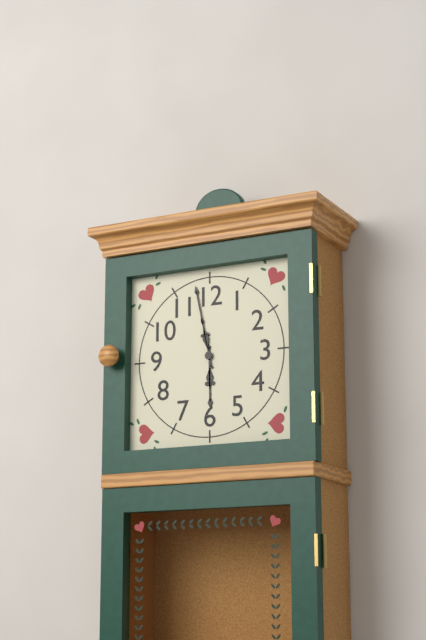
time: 5:58
